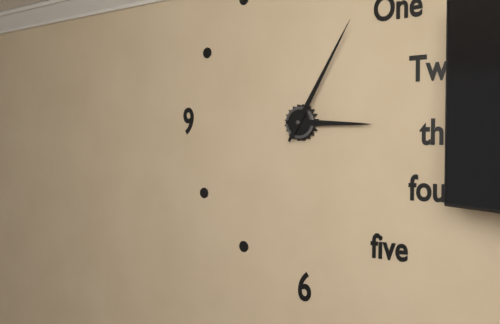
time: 3:05
